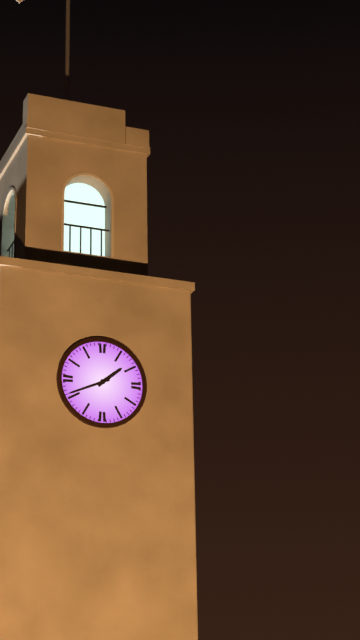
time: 1:41
